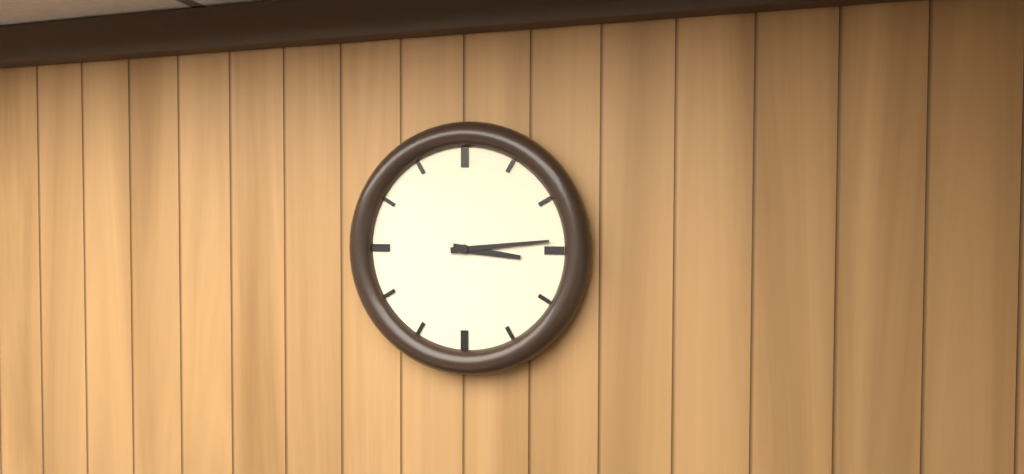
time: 3:14
